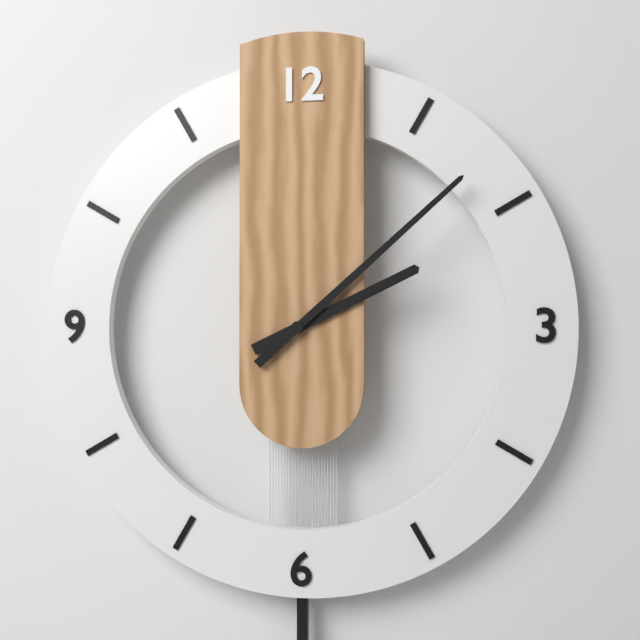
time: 2:08
